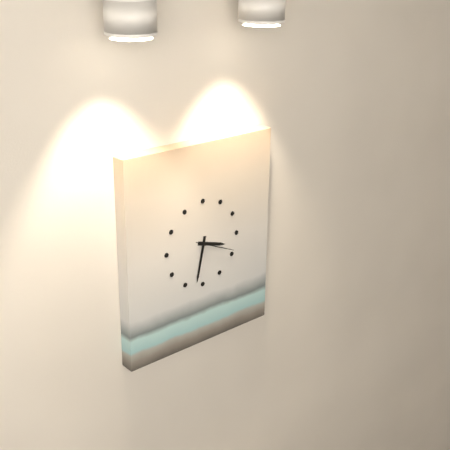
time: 3:32
